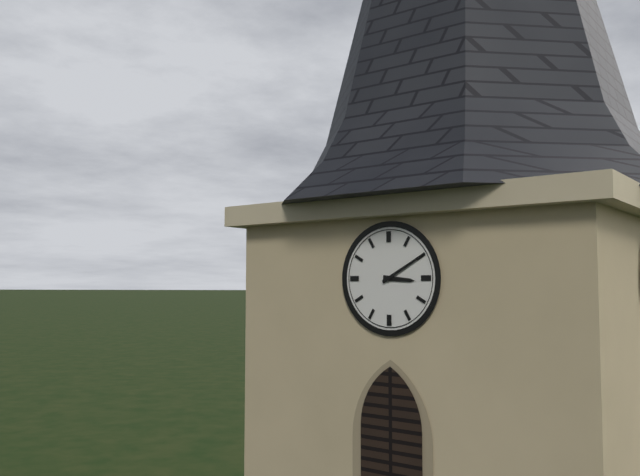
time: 3:10
